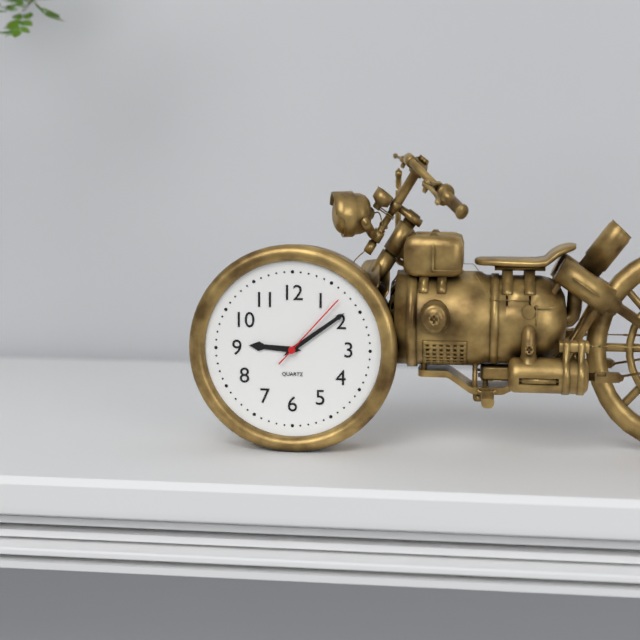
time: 9:09:07
